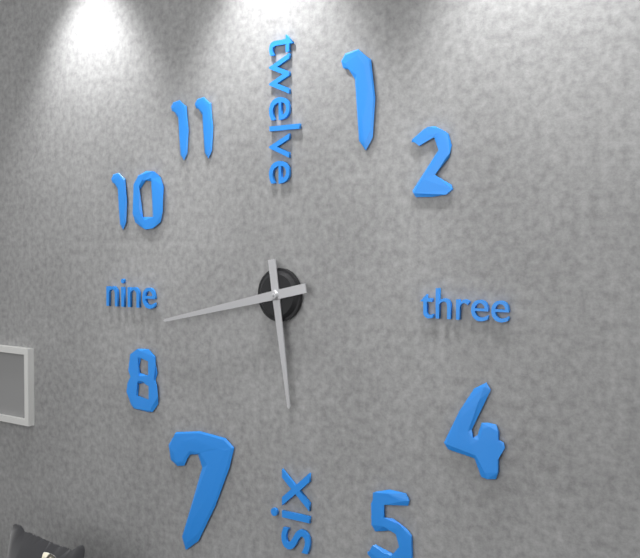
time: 5:43
